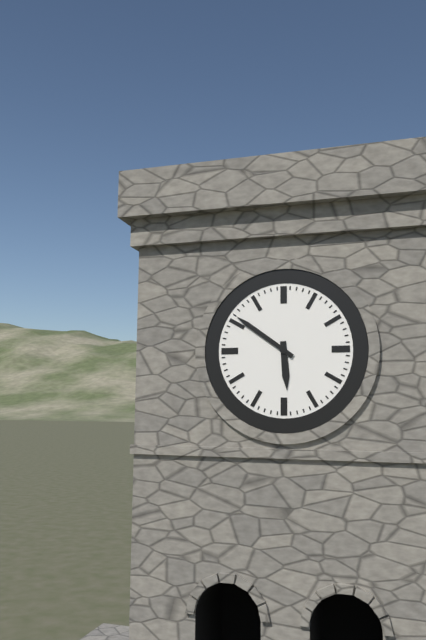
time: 5:51
